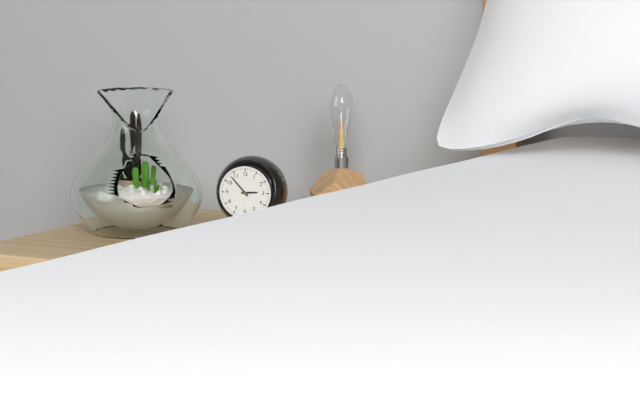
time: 2:53
